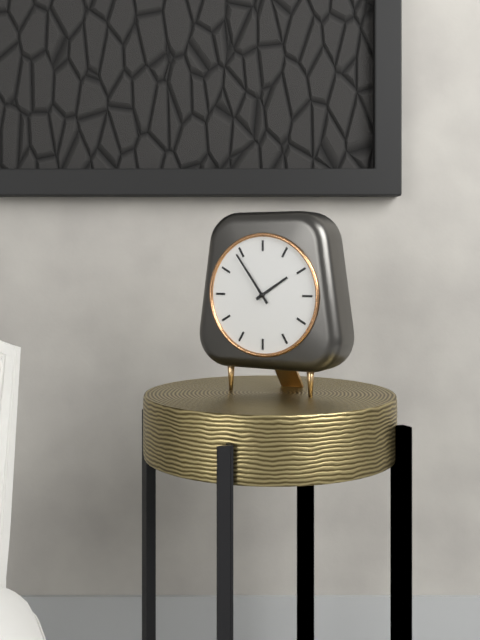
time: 1:54
